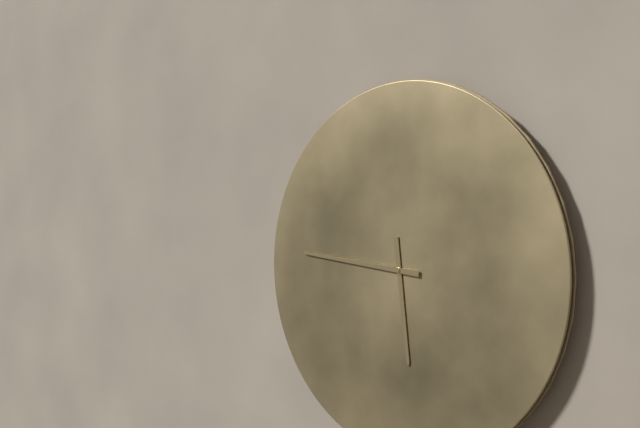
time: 5:46
